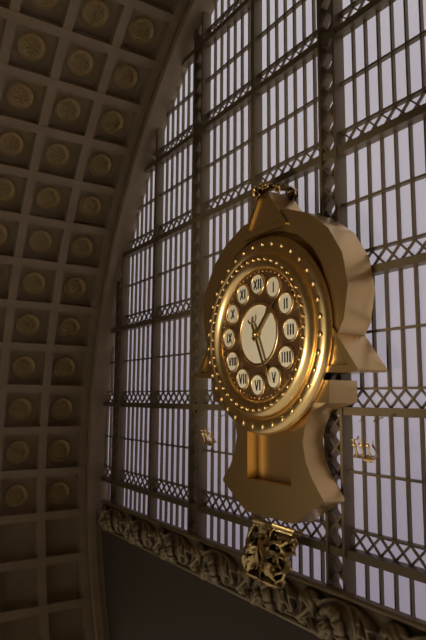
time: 1:26
